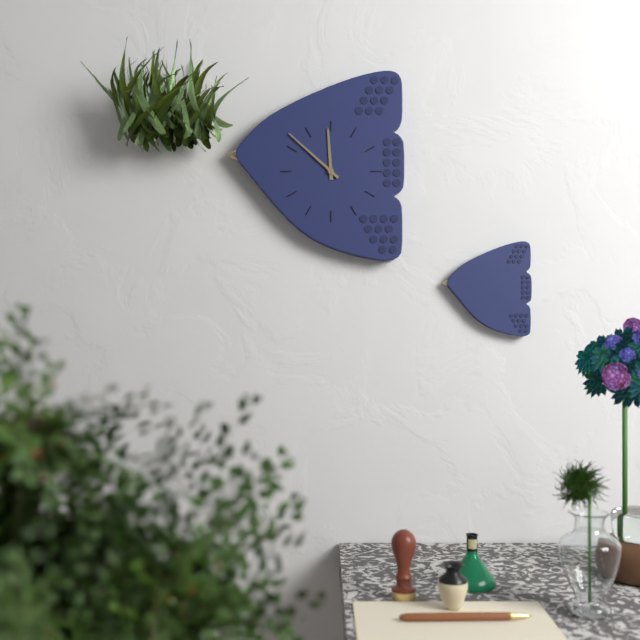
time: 11:52
